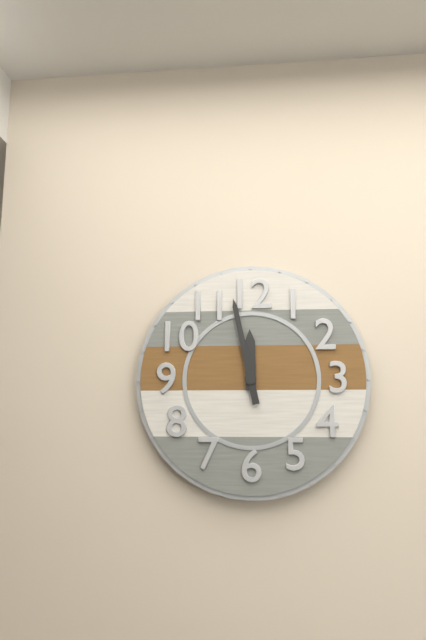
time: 11:58
